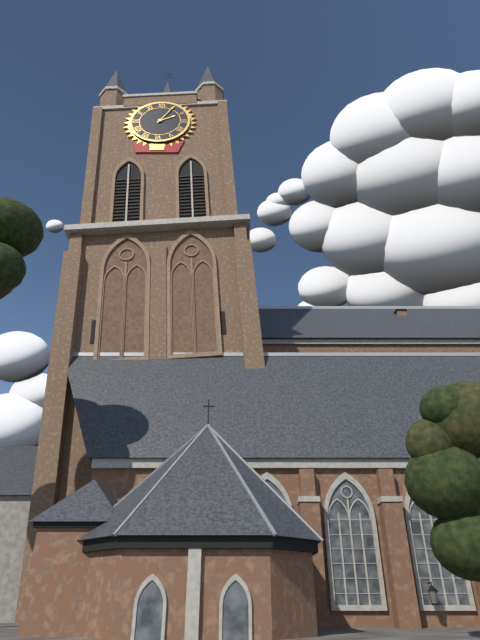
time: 2:05
